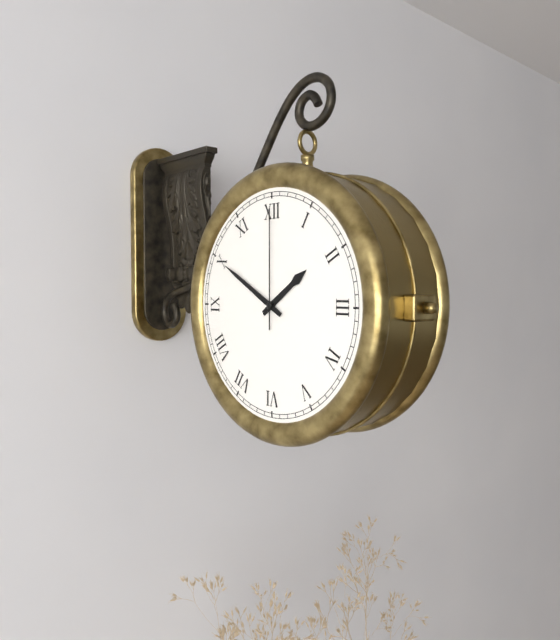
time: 1:50:00
